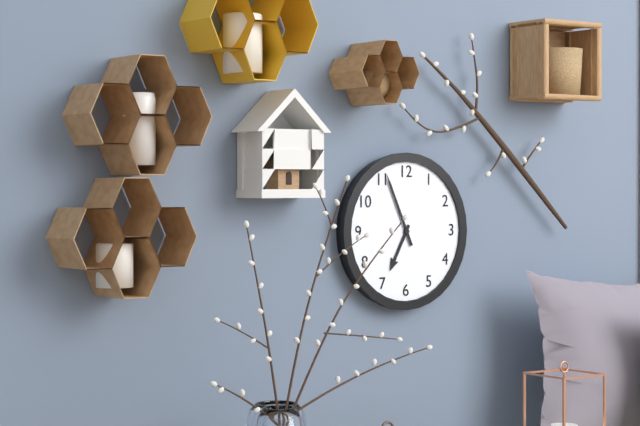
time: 6:56
